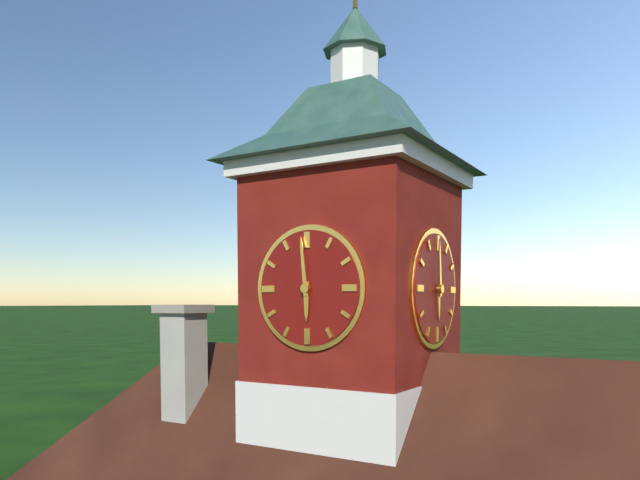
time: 5:59
